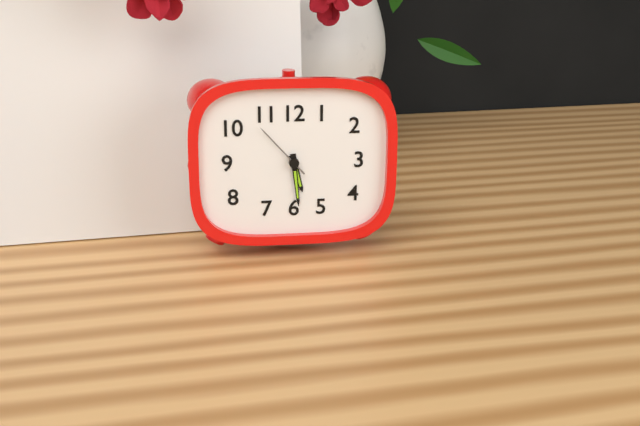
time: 5:29:53
